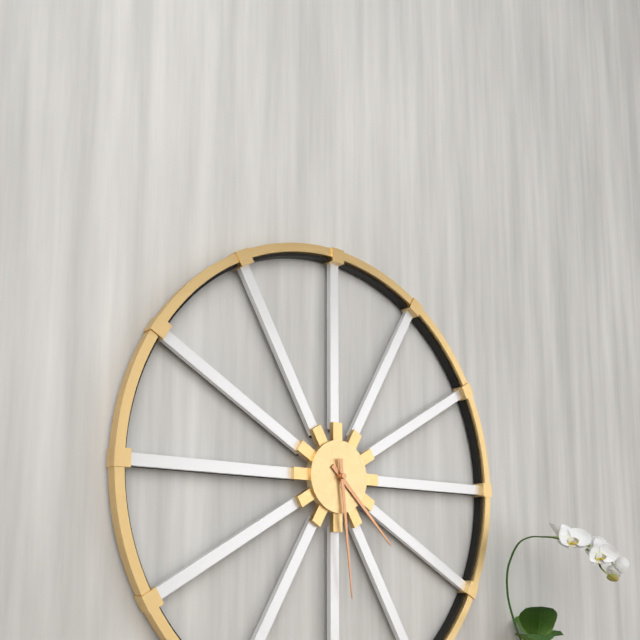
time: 4:29
